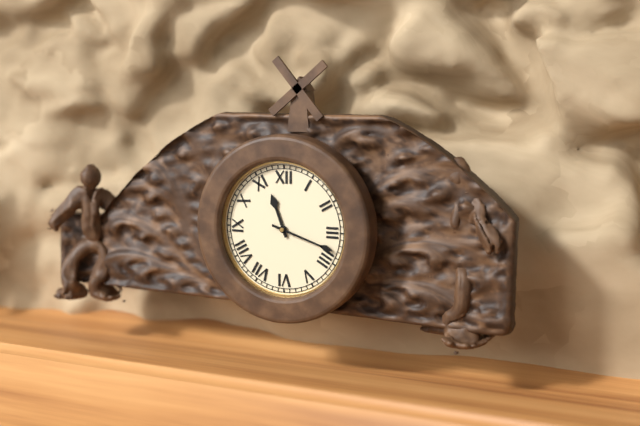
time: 11:18
